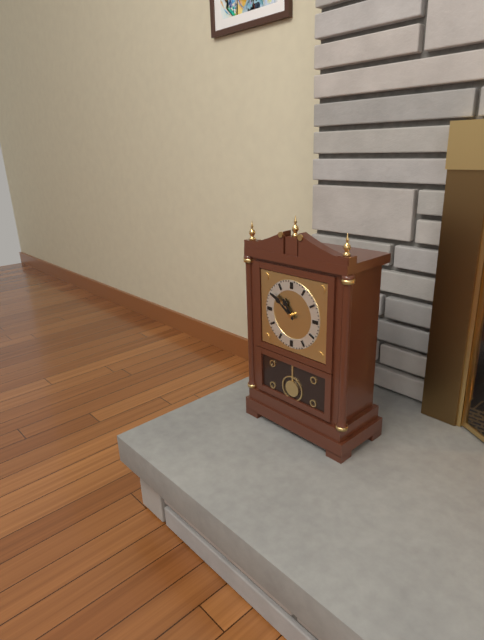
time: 10:51
